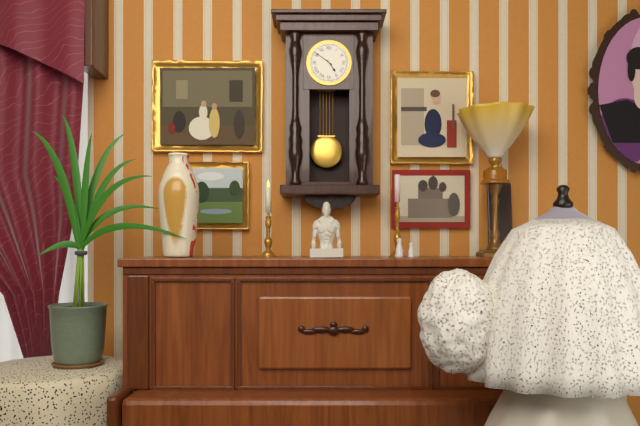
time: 4:51
